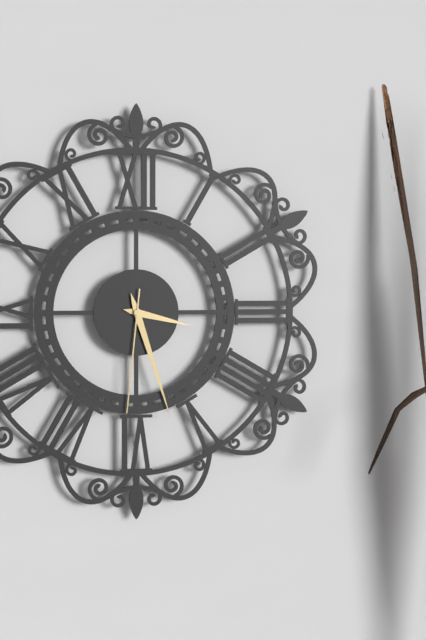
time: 3:27:31
